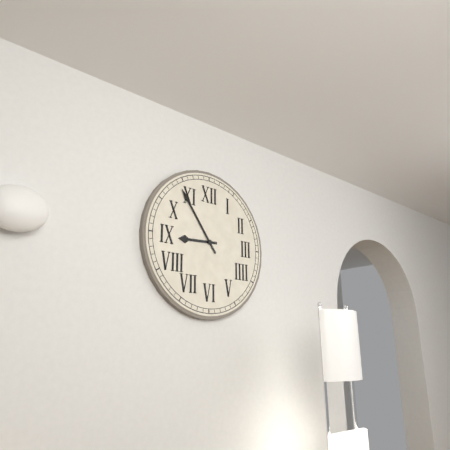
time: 8:54
